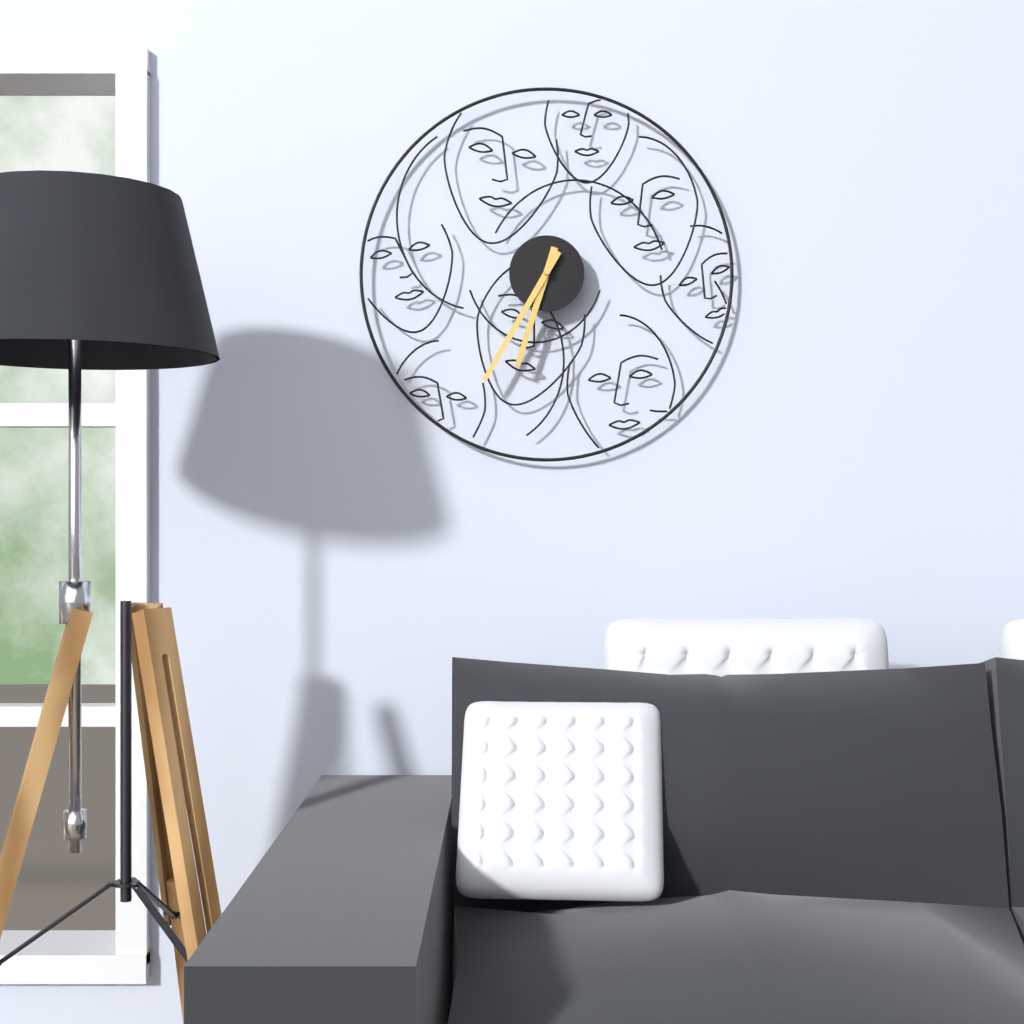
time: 6:35
